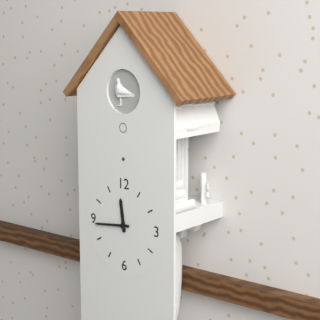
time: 11:44
